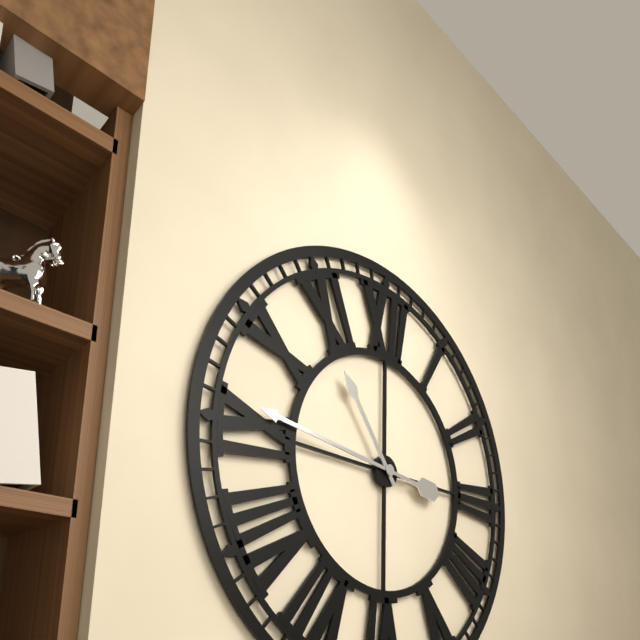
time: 10:46
